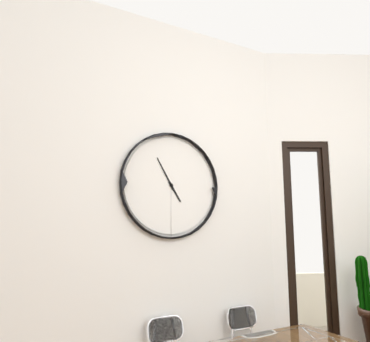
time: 4:55
